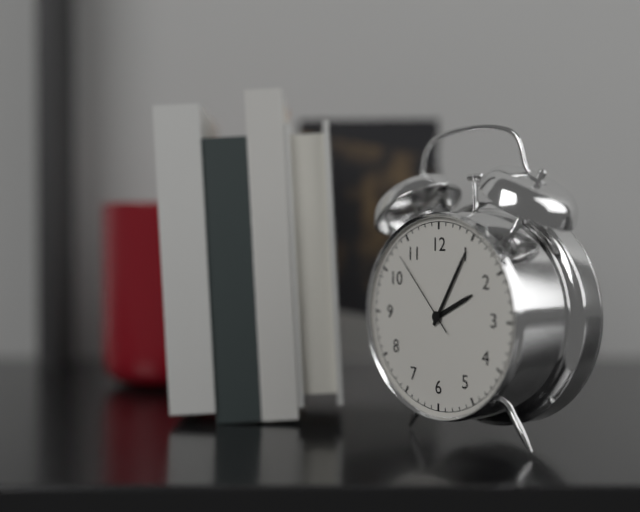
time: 2:05:53
